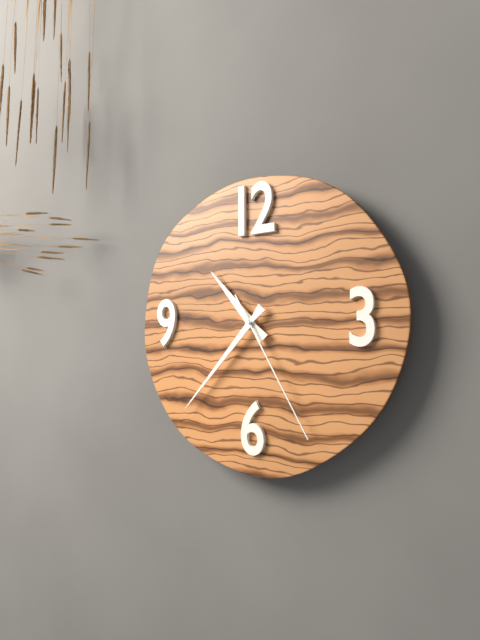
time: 10:37:25
